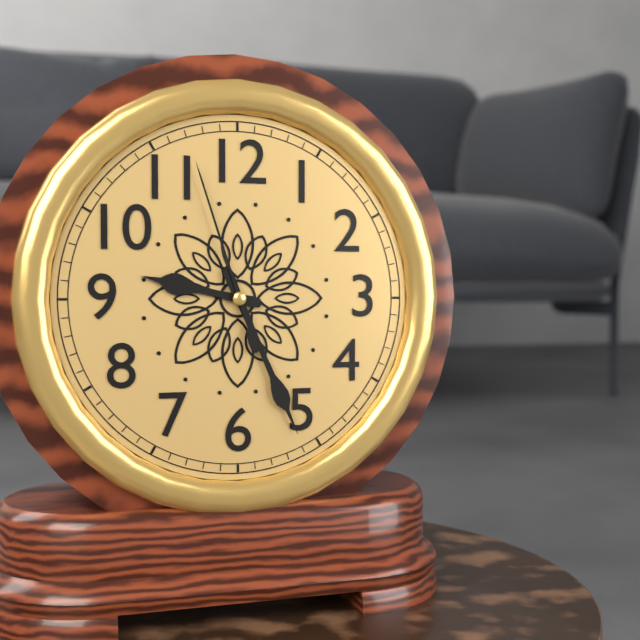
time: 9:26:57
